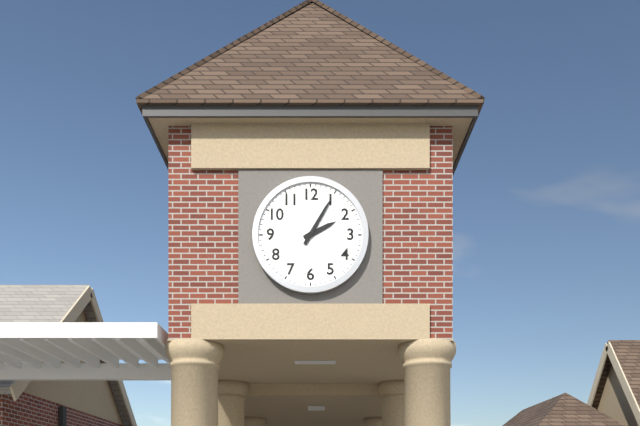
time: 2:05
